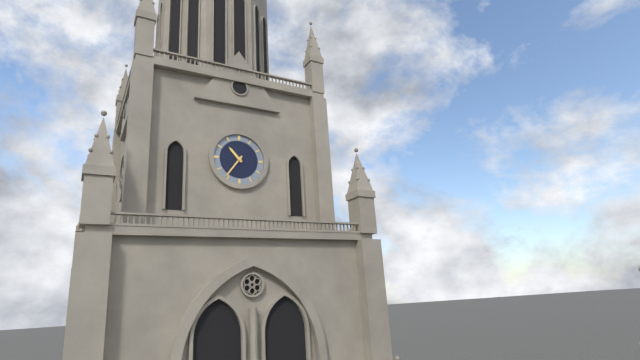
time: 10:36
